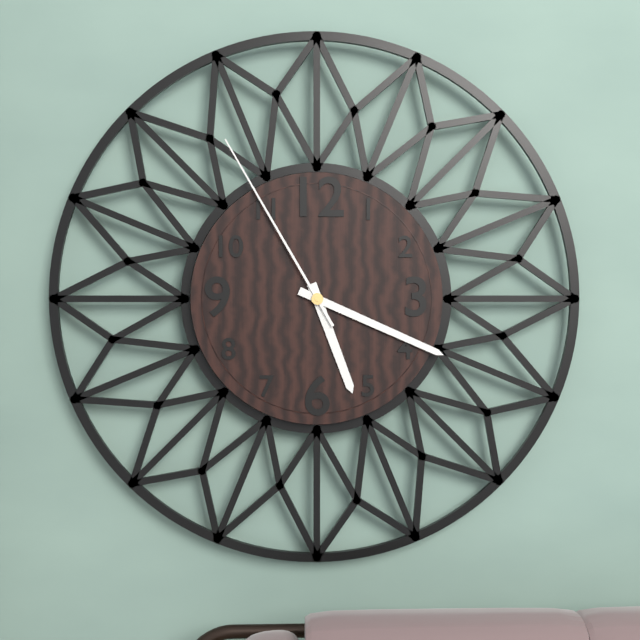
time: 5:19:55
